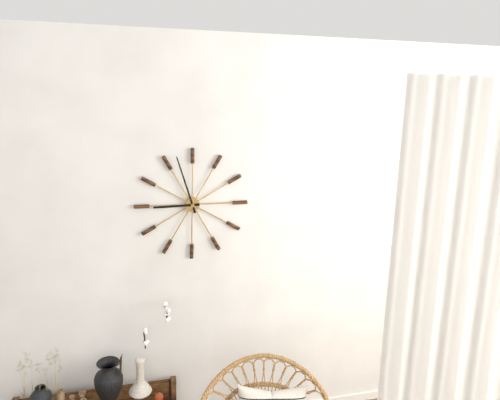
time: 8:57
